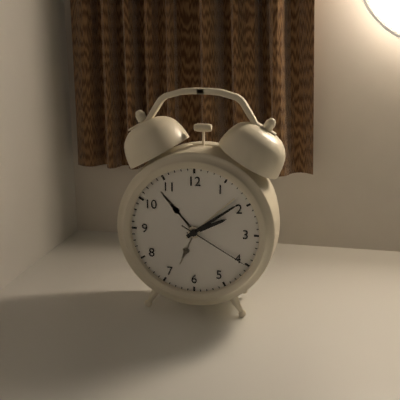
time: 2:09:20
